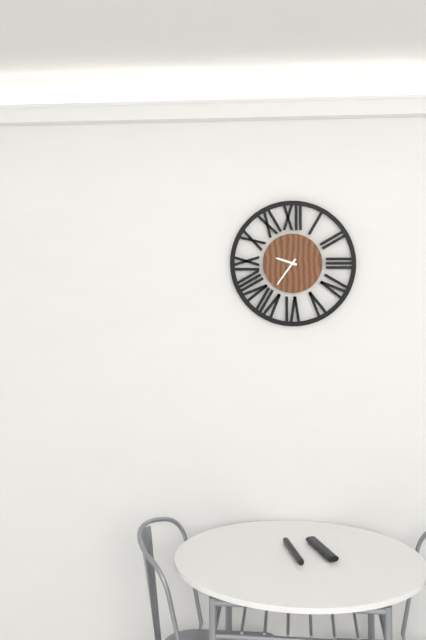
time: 9:36
